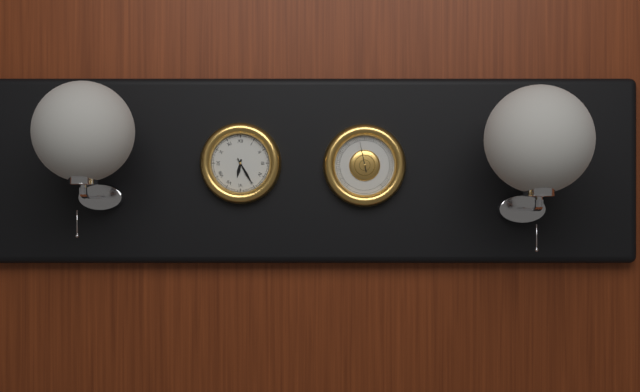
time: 6:25
